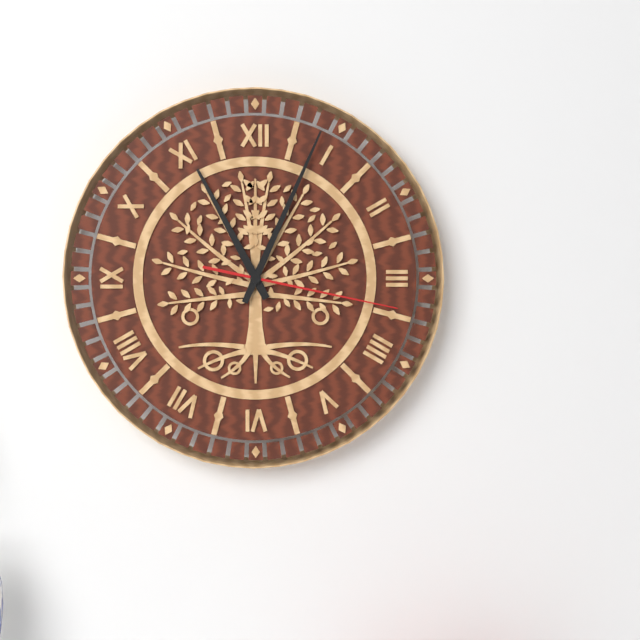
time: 11:04:17
